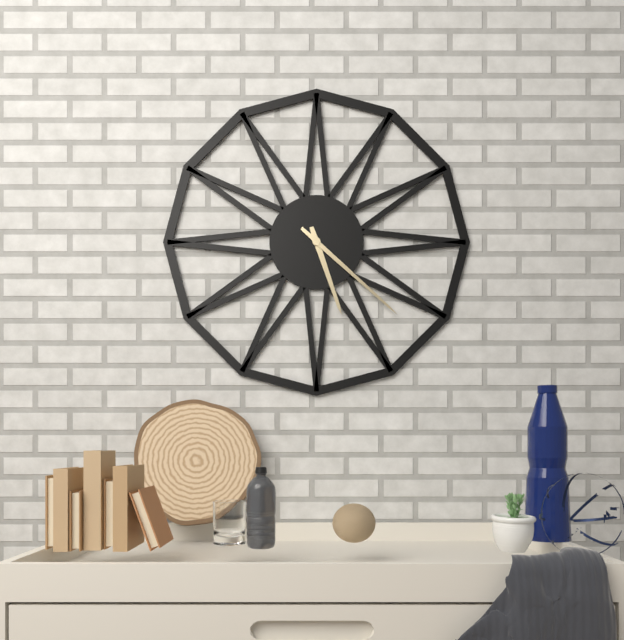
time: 5:22
